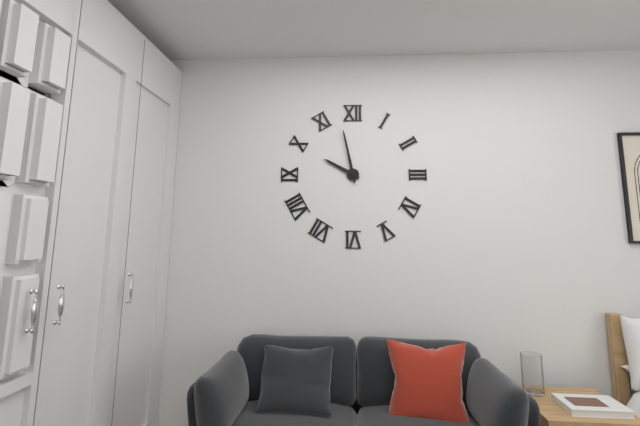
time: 9:58
